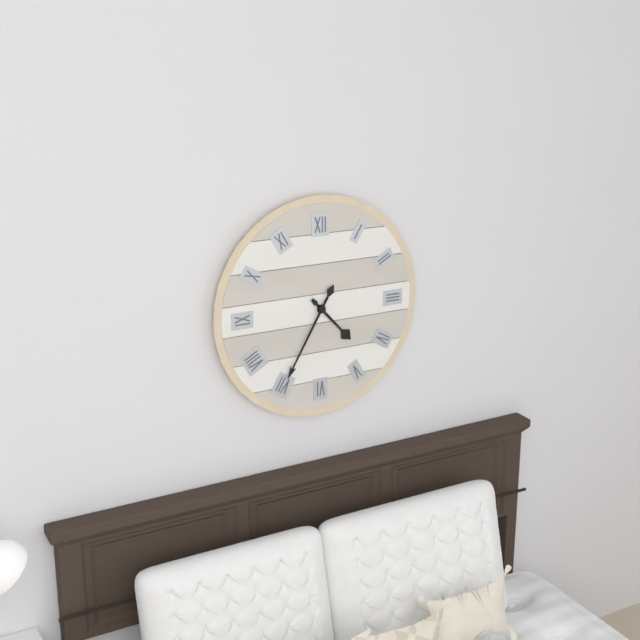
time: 4:35
